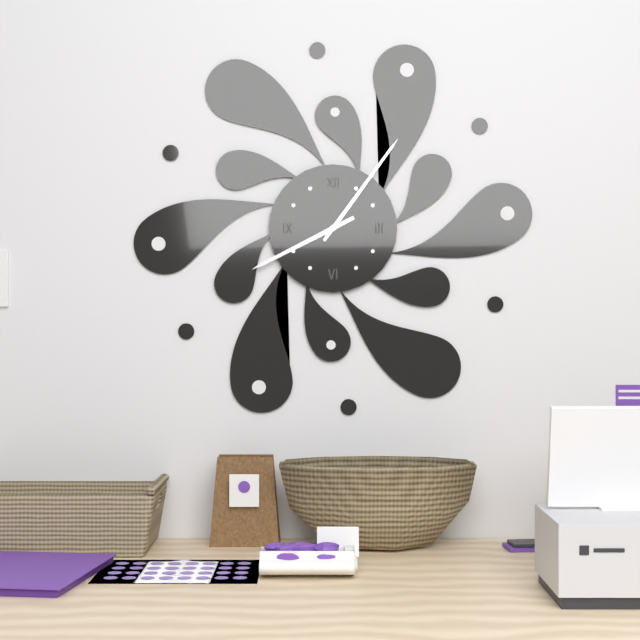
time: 8:06
